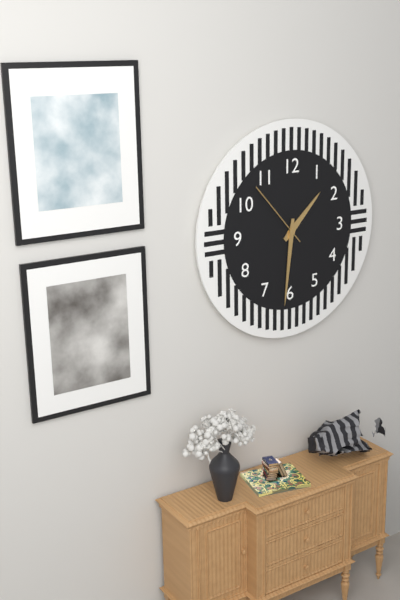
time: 1:31:53
